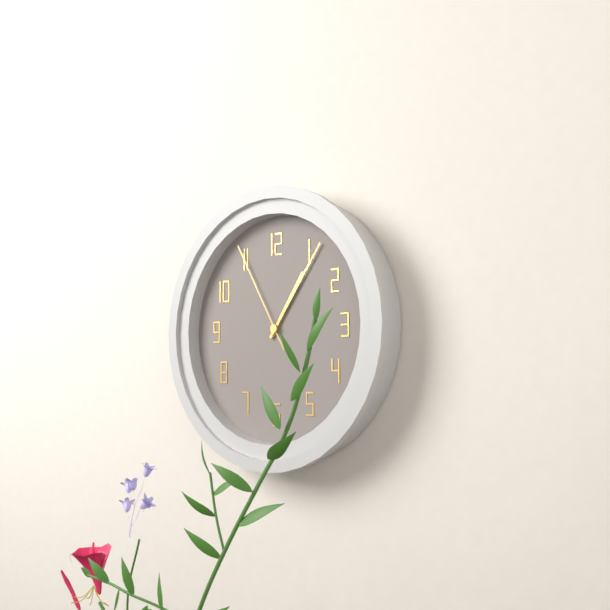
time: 1:06:55
